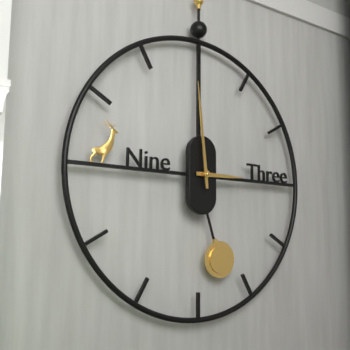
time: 2:59
